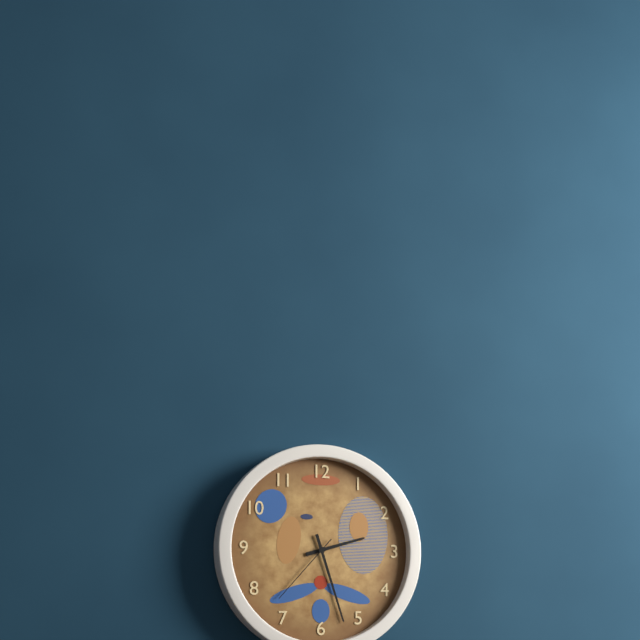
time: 2:27:37
